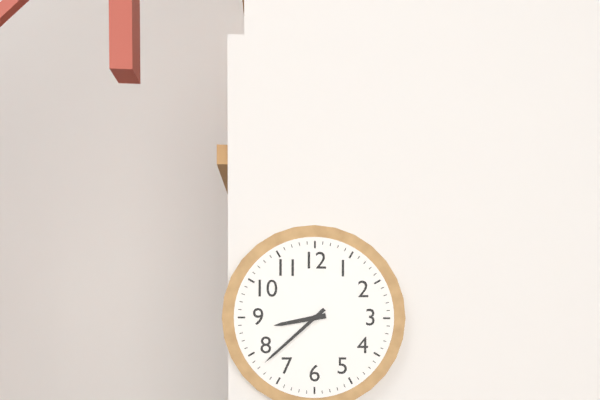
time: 8:38
